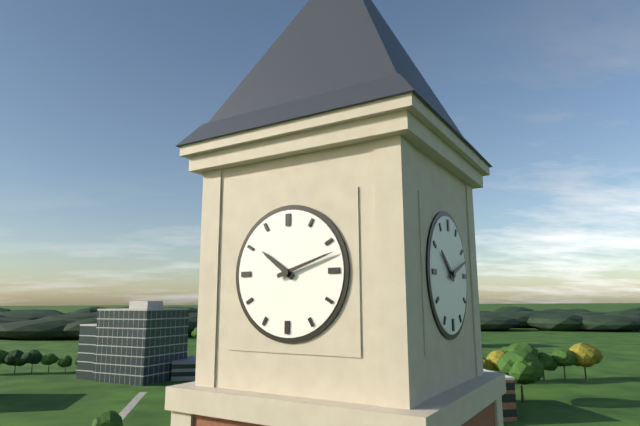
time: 10:12
